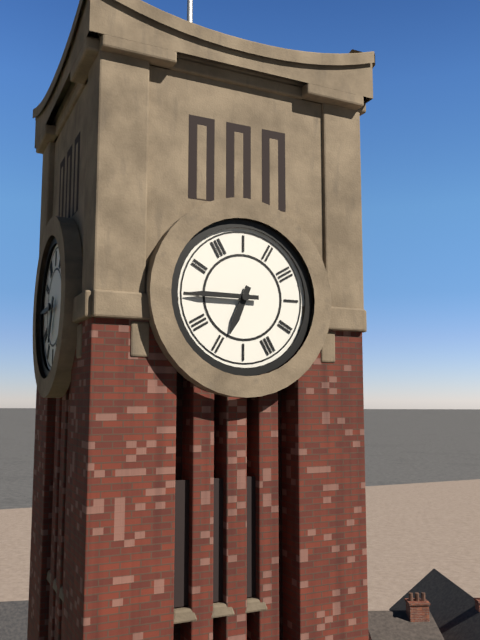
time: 6:45
